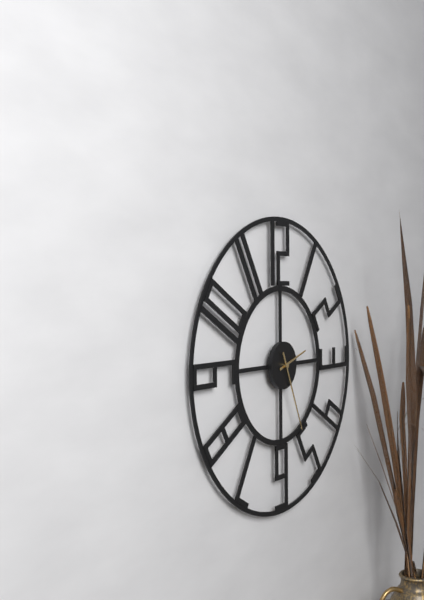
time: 2:26
